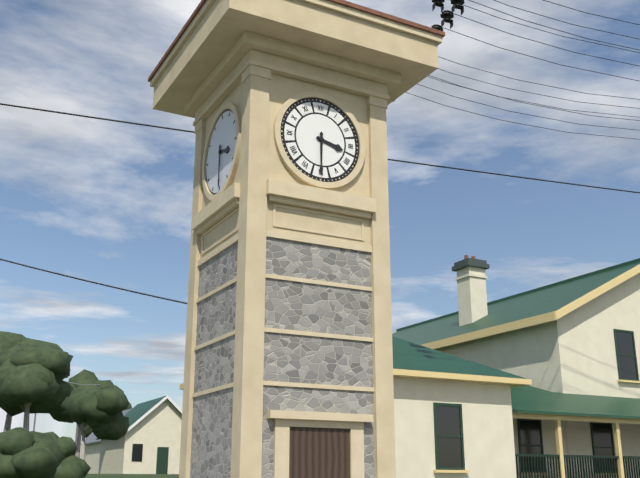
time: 3:30
